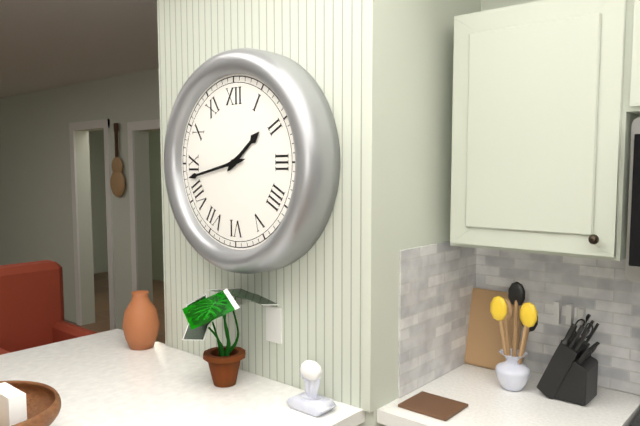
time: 1:43
